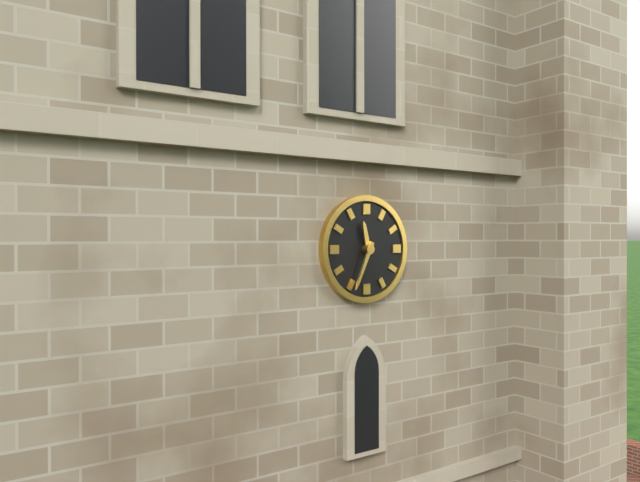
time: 11:34
